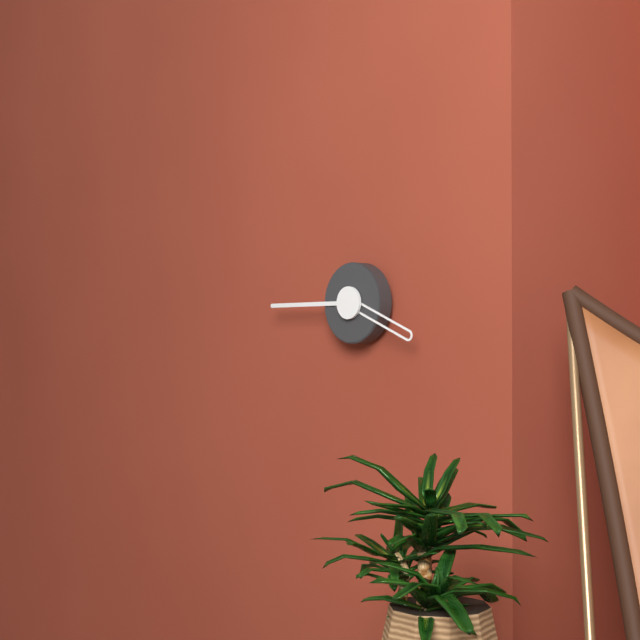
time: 3:45
